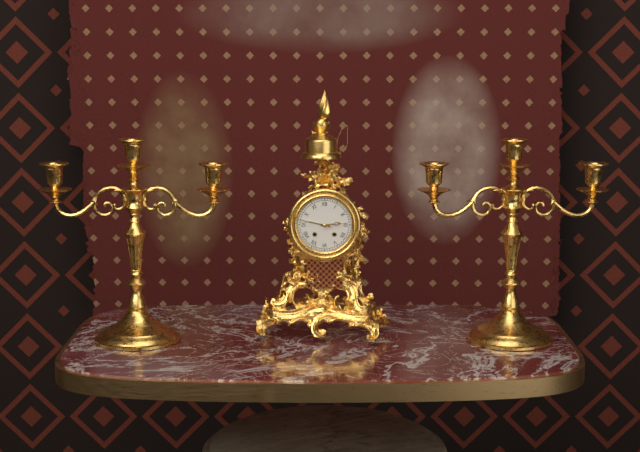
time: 2:47
